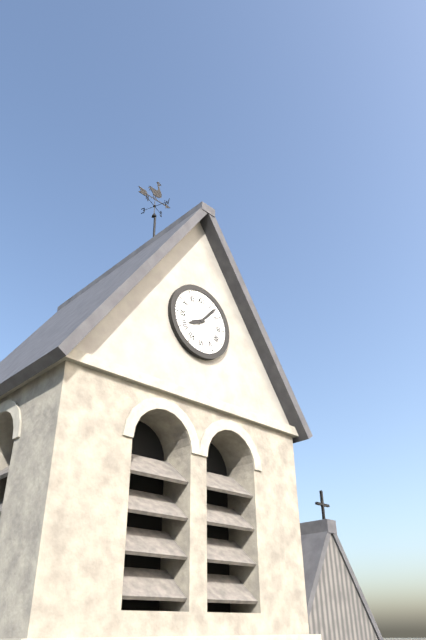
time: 8:07
